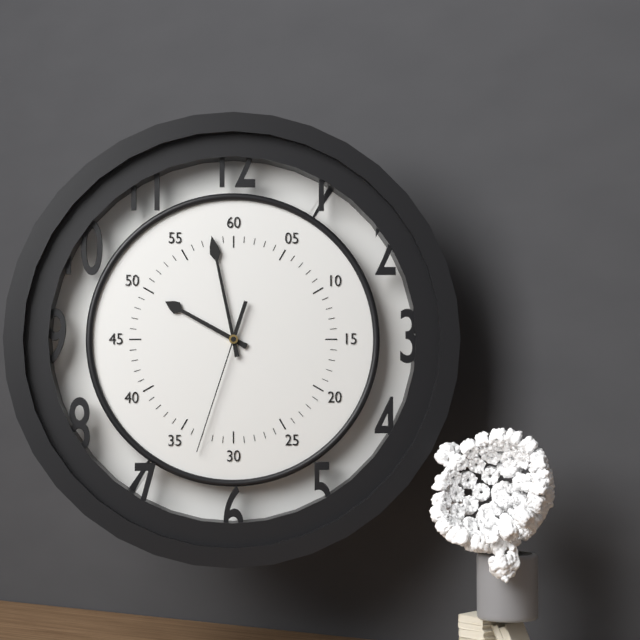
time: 9:58:33
